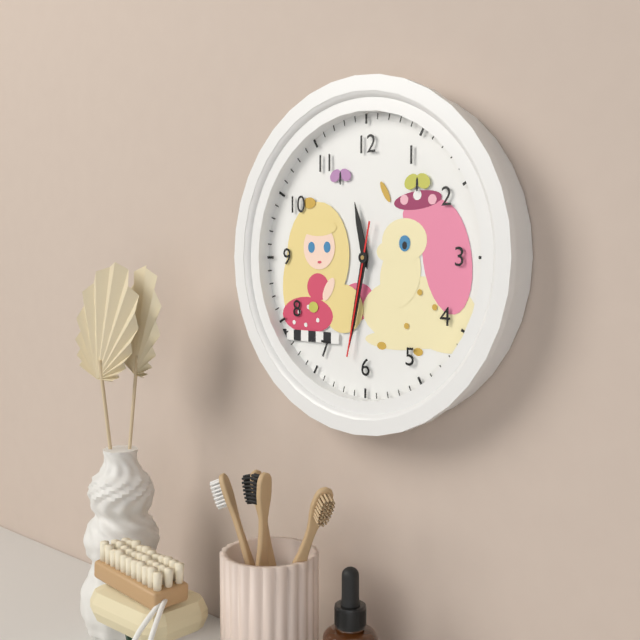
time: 11:32:32
